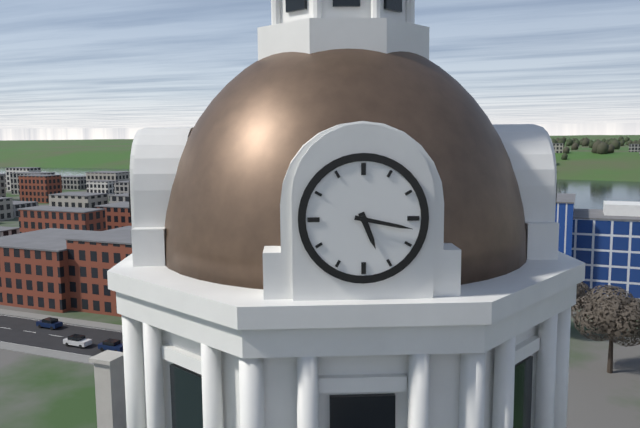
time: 5:17
